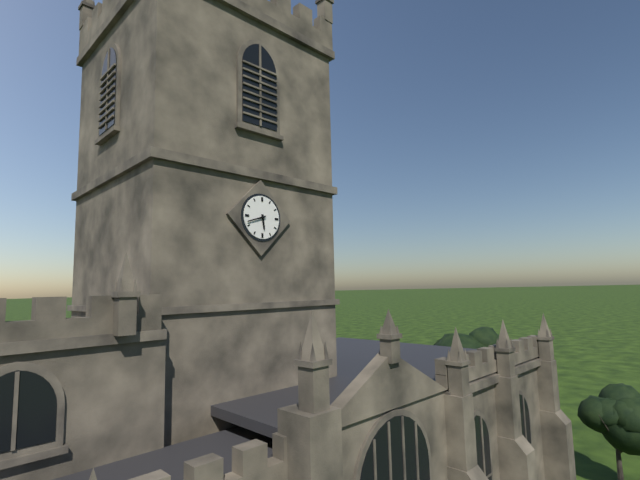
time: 5:42
